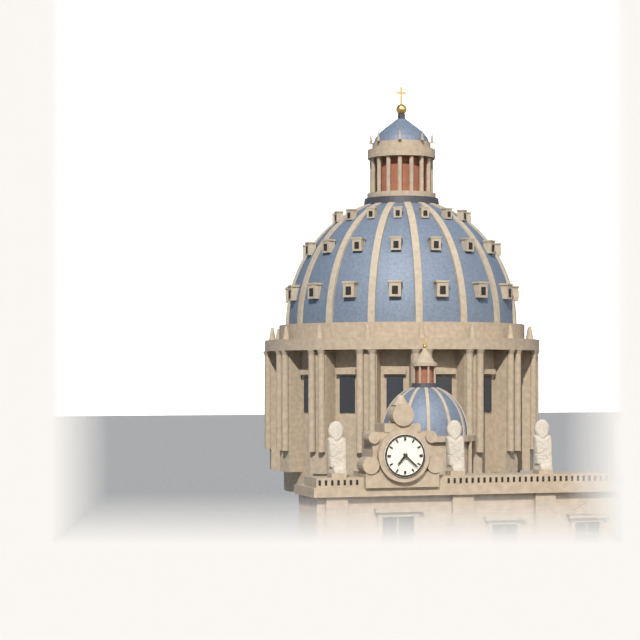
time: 7:22
